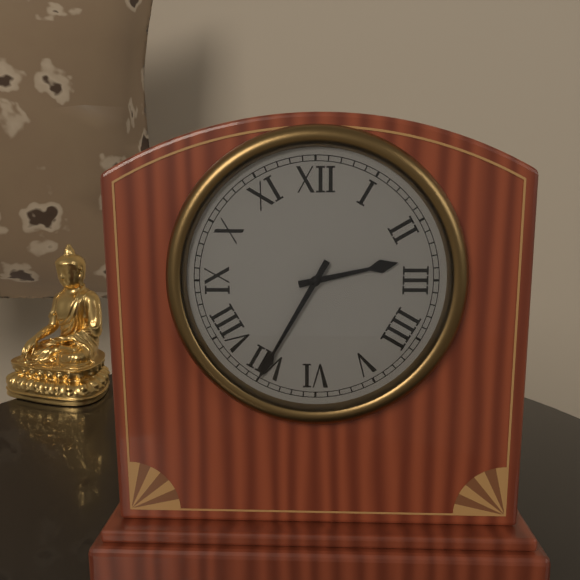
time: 2:35
